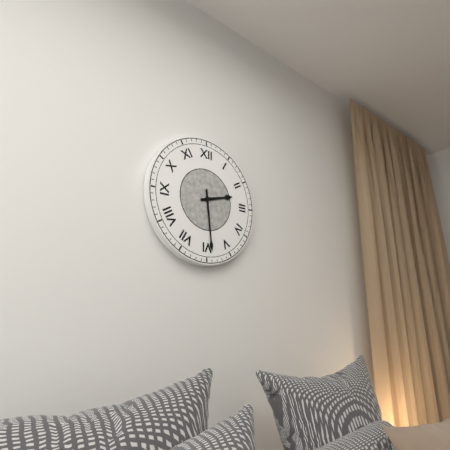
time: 2:29
